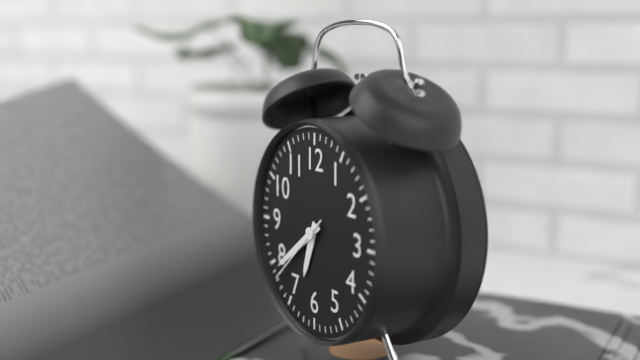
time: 6:39:38
